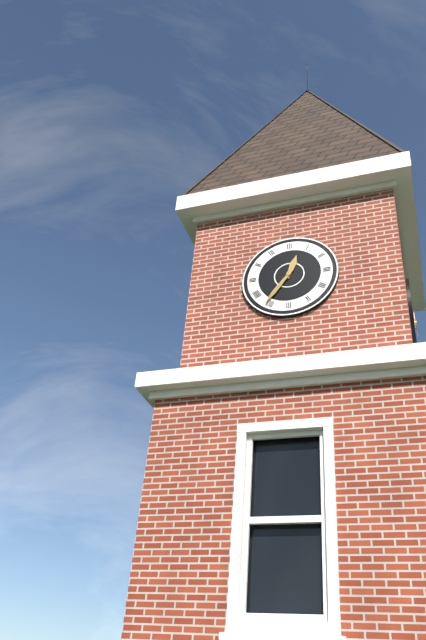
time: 12:36
